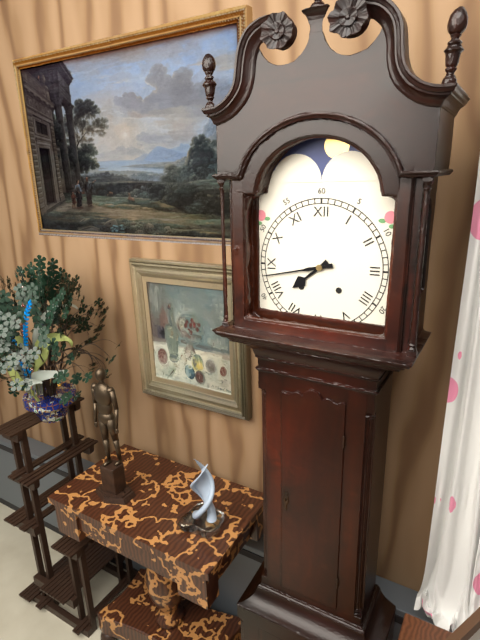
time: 7:43
